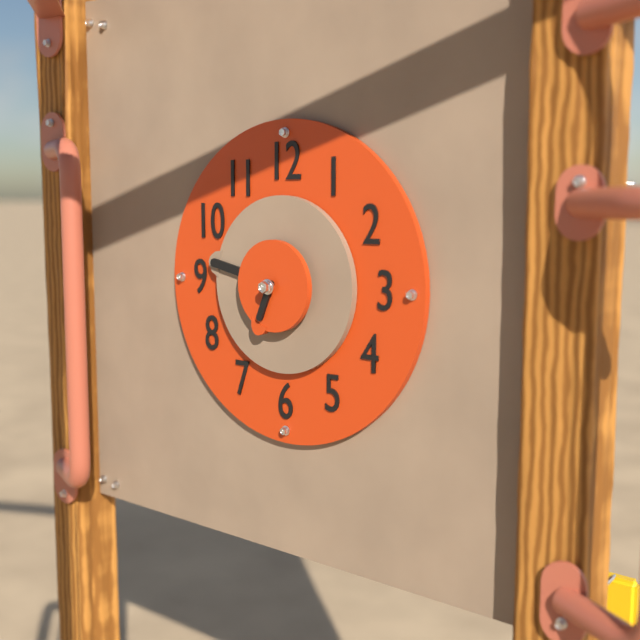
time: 6:47
